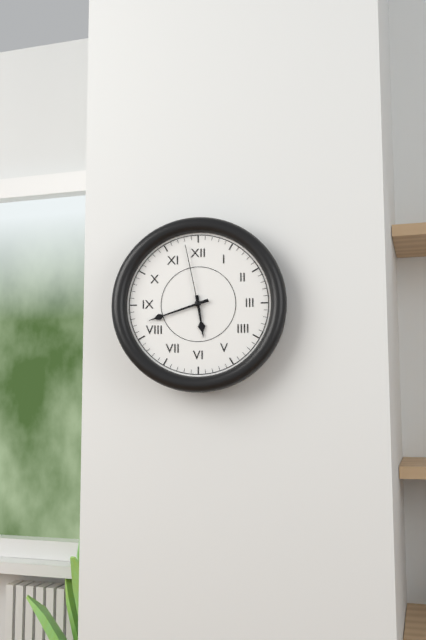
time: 5:42:58
